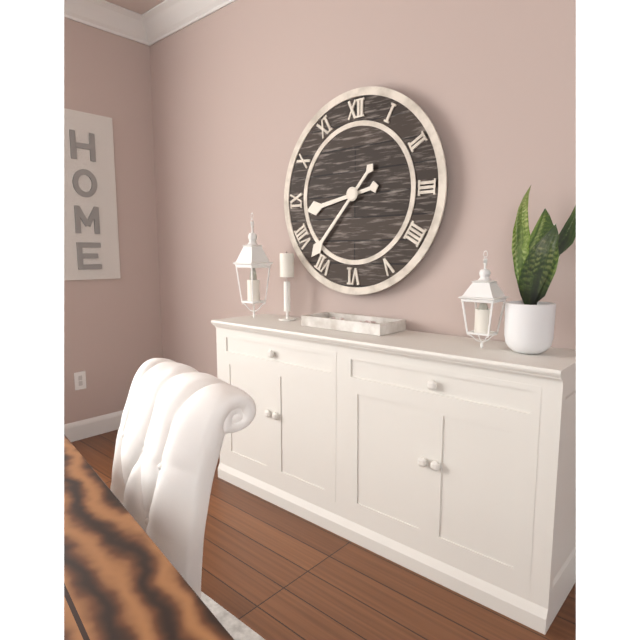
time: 8:37
